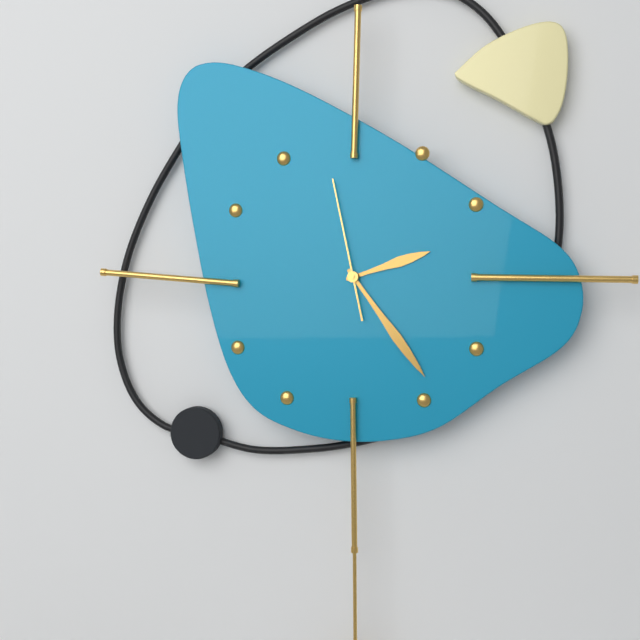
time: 2:24:58
